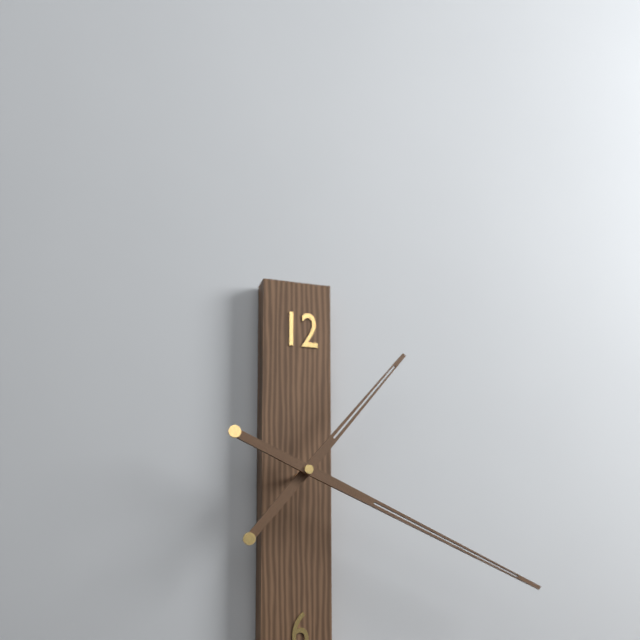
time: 1:19
